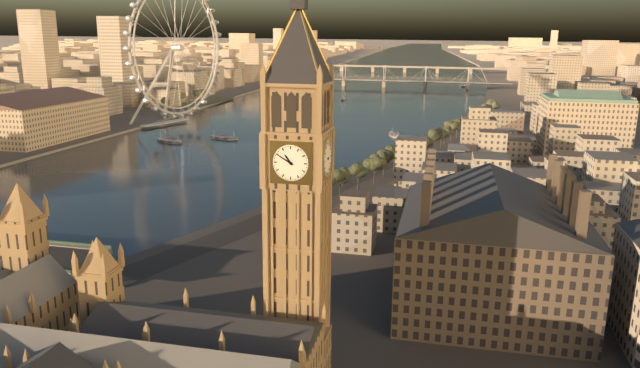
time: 10:50
